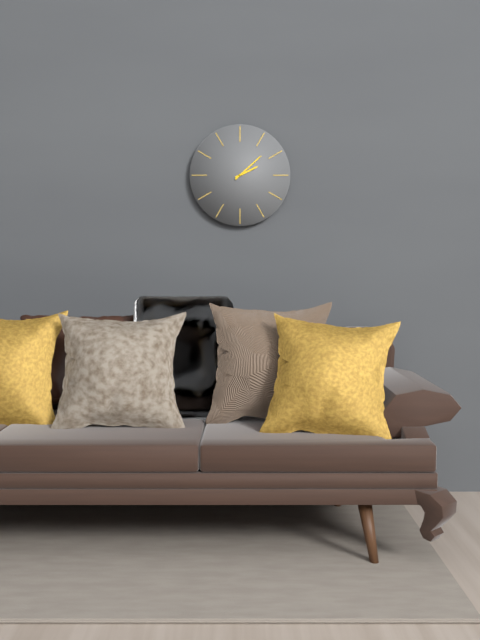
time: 2:08
